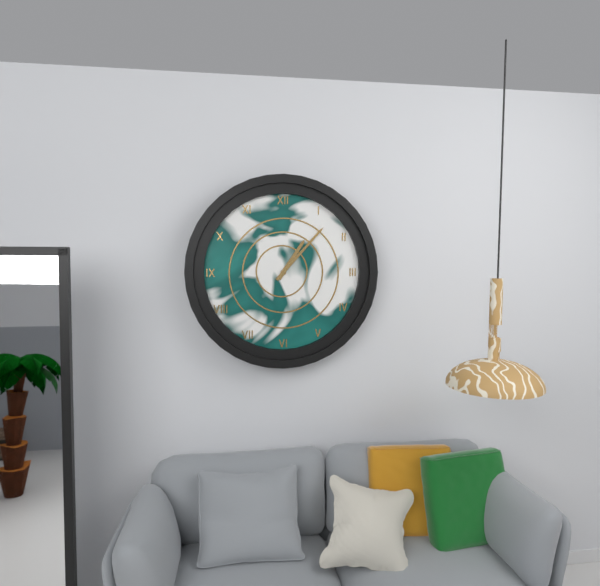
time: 1:07
